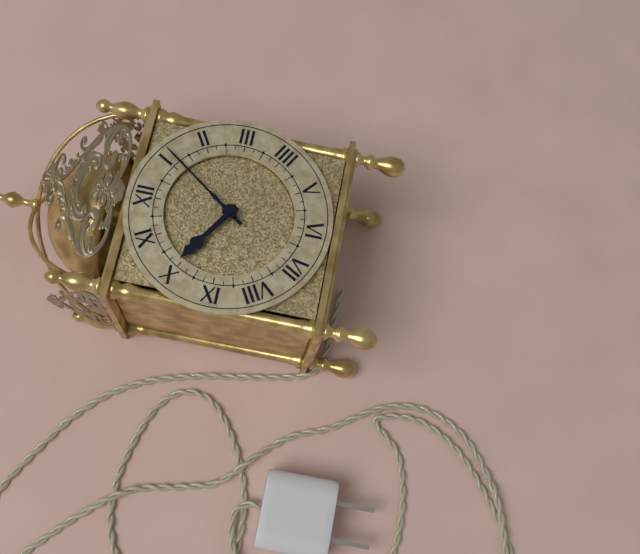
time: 10:06
